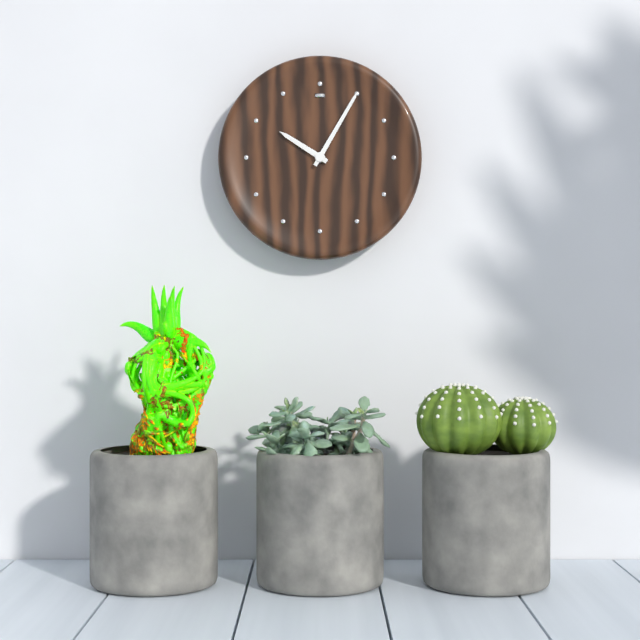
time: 10:05
